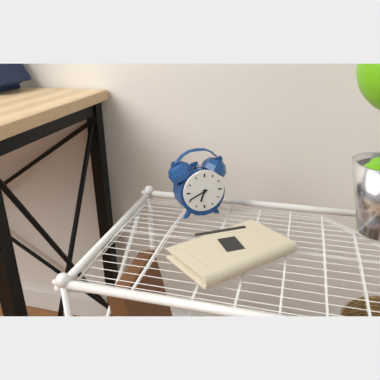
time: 6:41
